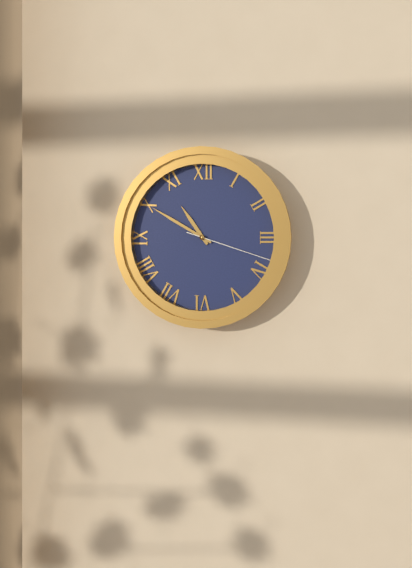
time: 10:50:18
